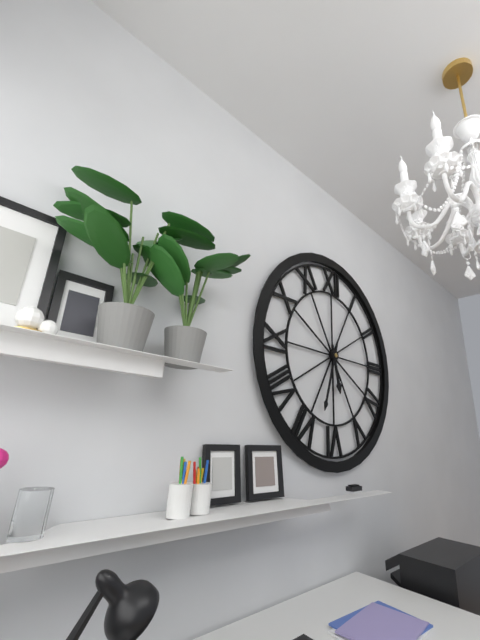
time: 5:33
